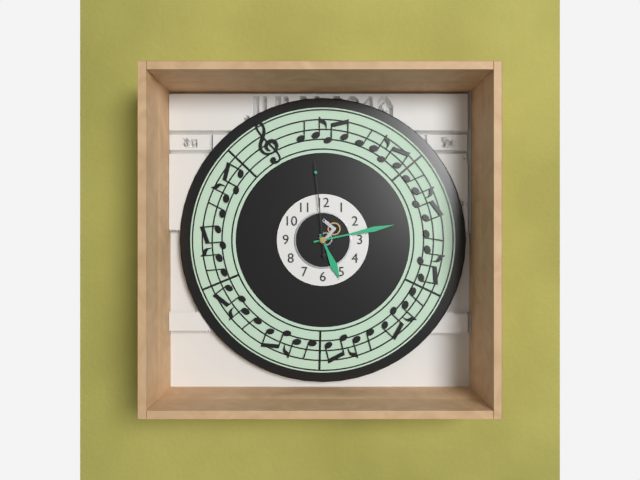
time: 5:13:59
